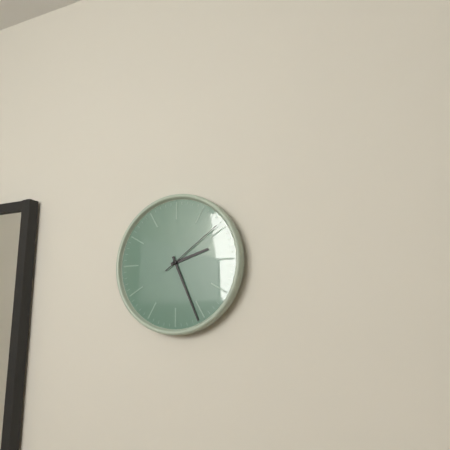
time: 2:26:09
